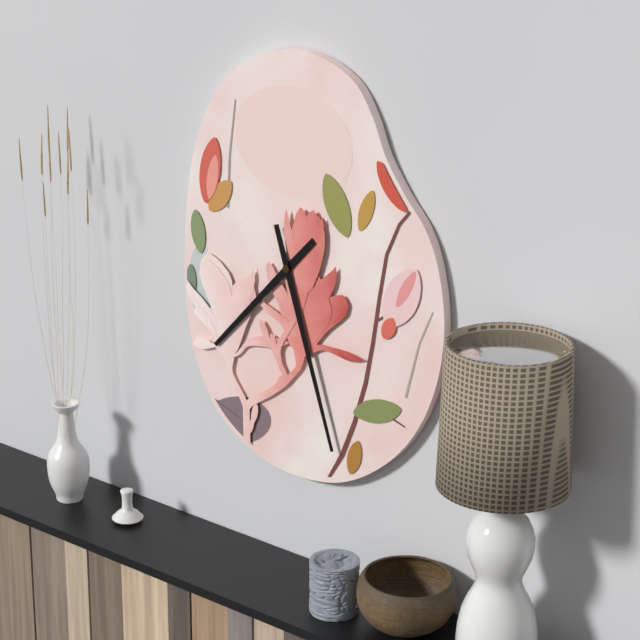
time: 7:27
